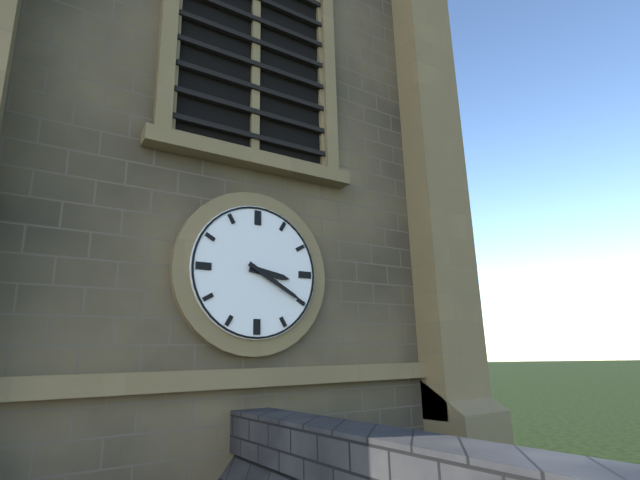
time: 3:20
